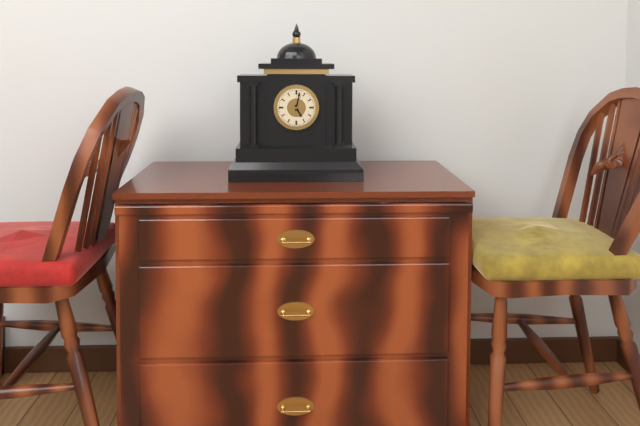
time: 5:02
